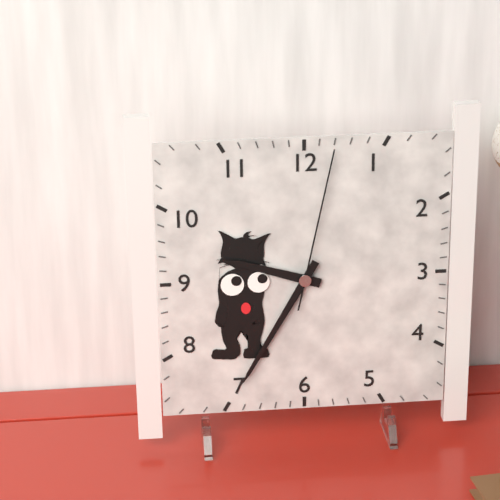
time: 9:35:02
